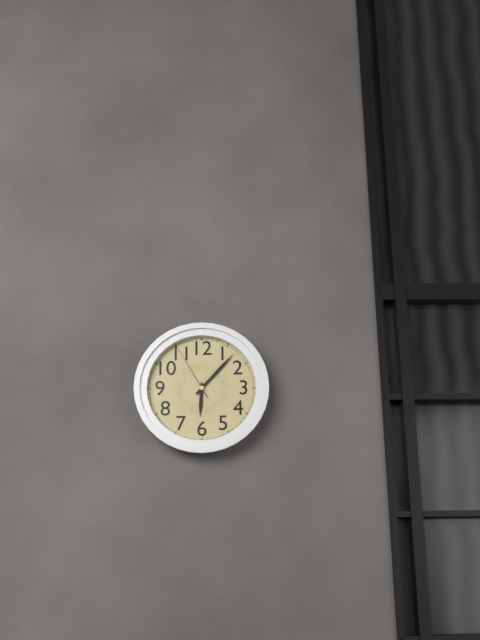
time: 6:07:55
